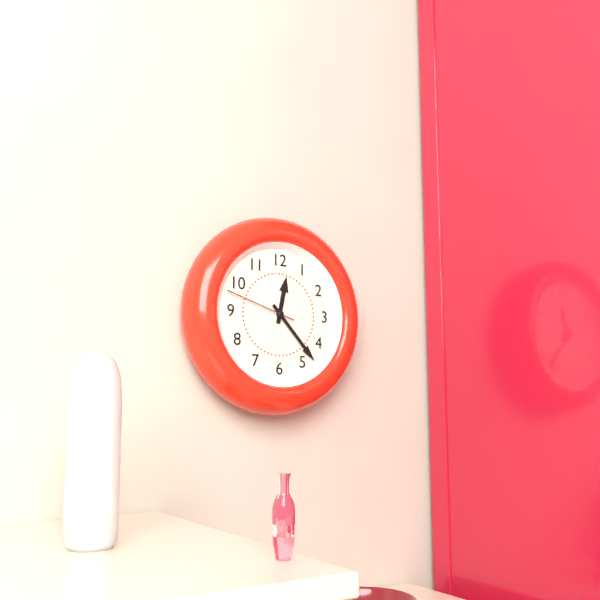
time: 12:23:48
